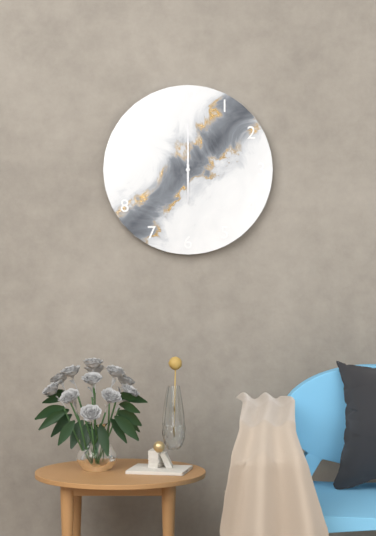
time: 6:00
